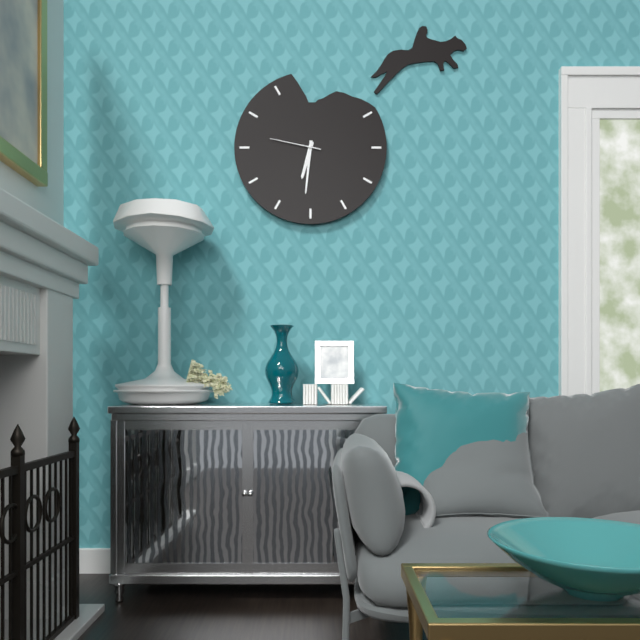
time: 6:31:47
